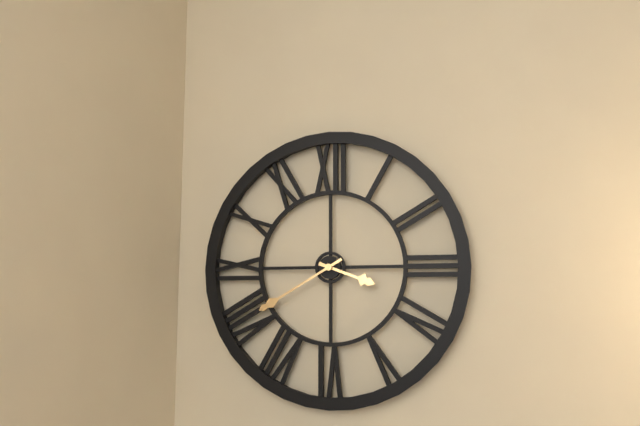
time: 3:40
